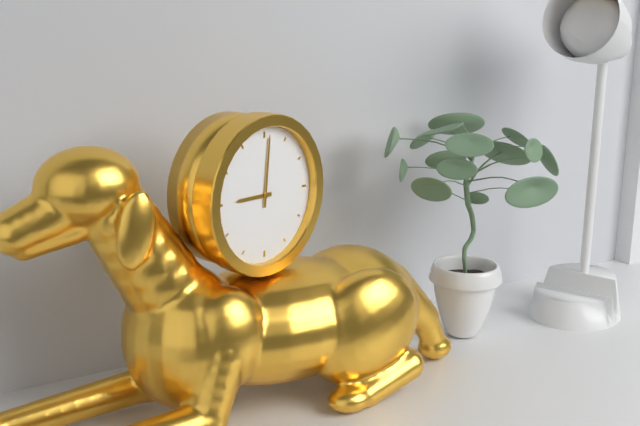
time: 9:01
